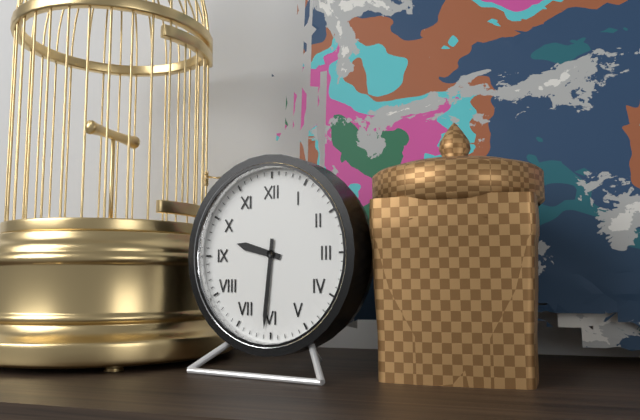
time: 9:31
